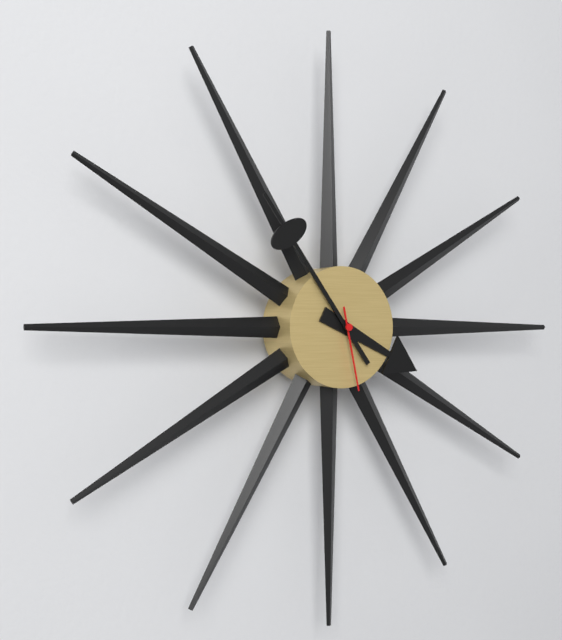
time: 3:54:28
